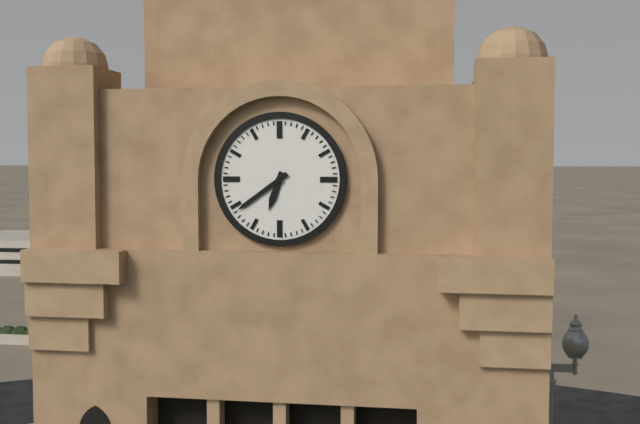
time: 6:39
